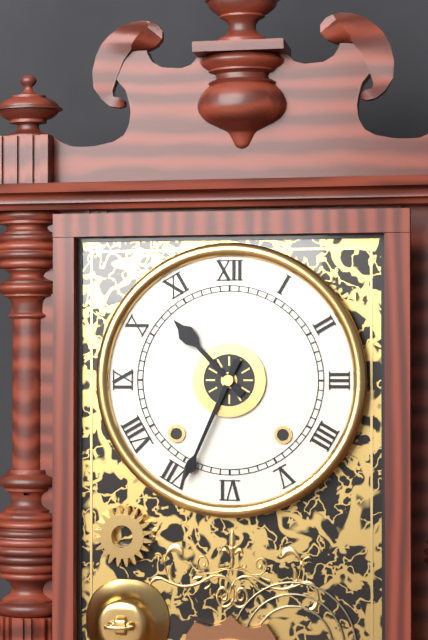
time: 10:34
